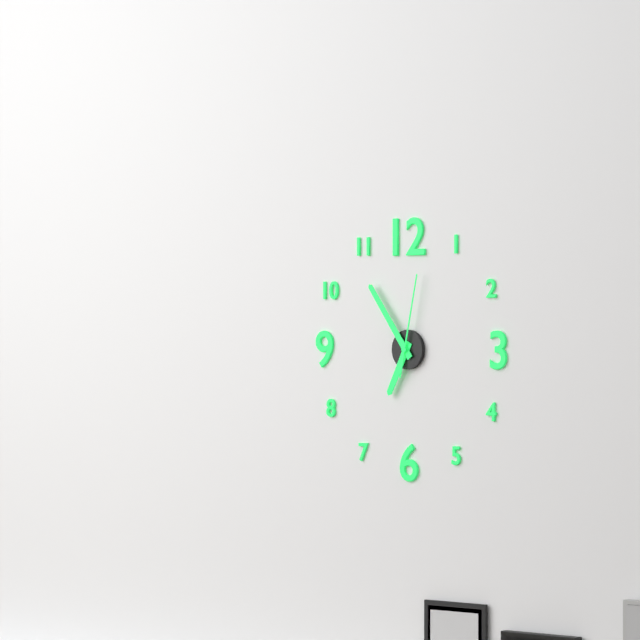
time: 6:54:02
